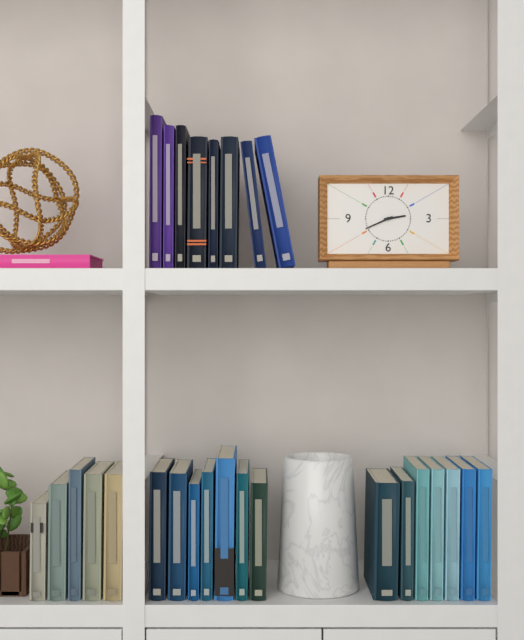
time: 2:41
